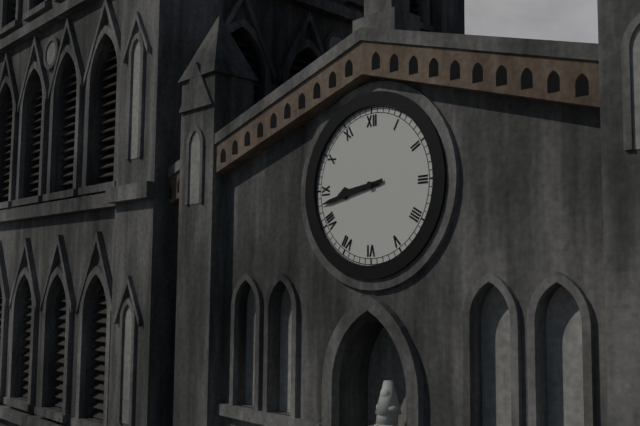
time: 8:43
